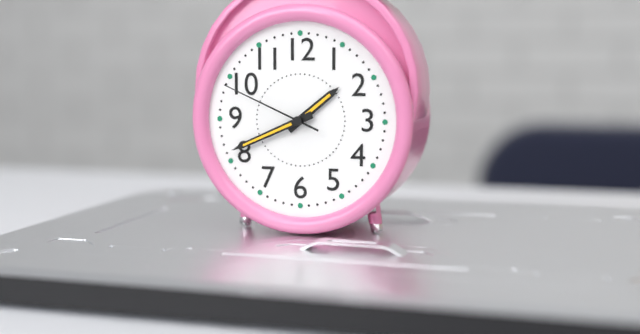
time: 1:41:49
